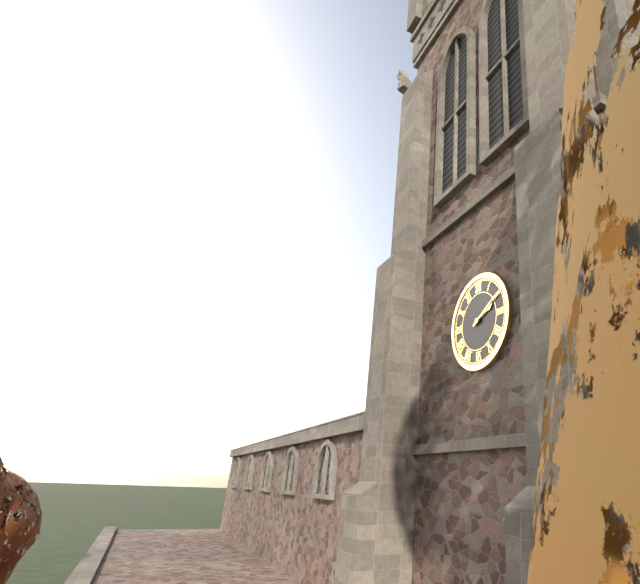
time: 2:10
